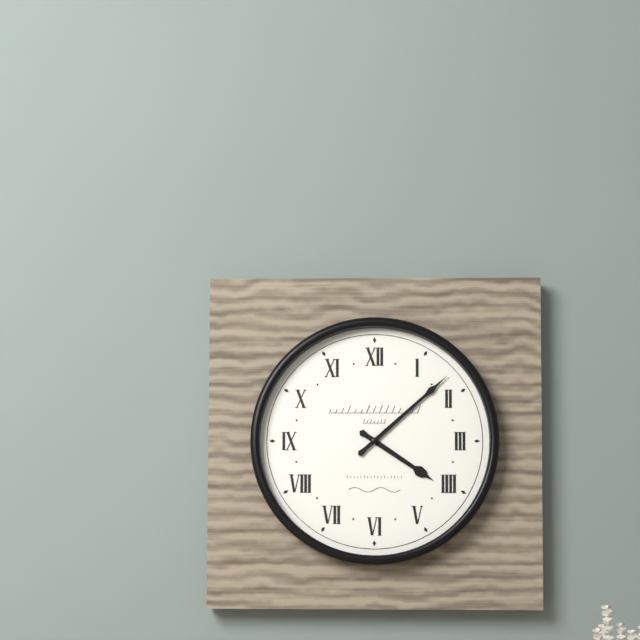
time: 4:08
